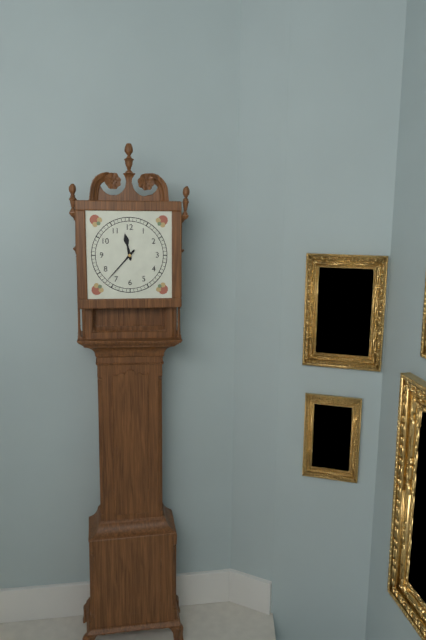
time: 11:37
